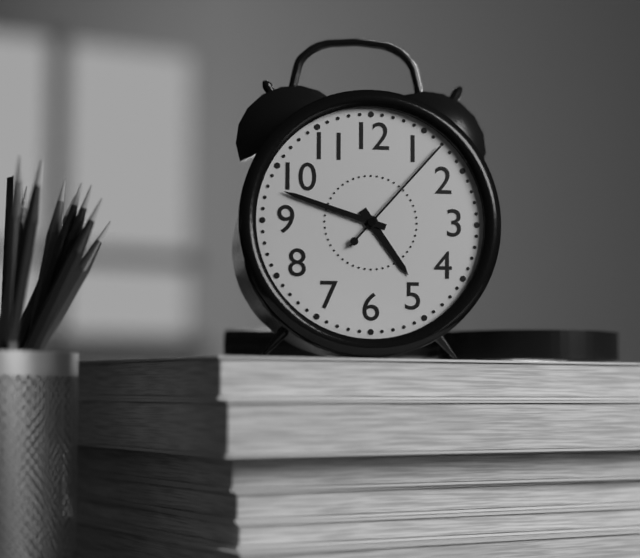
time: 4:48:07
